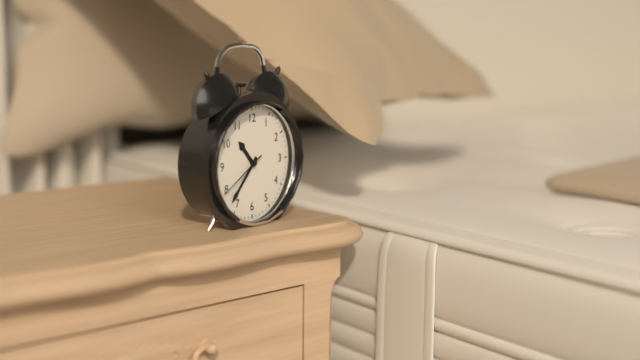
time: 10:37:40
